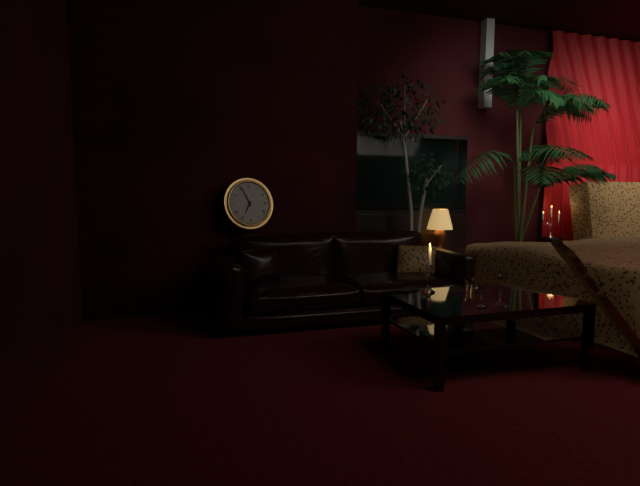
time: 6:56
